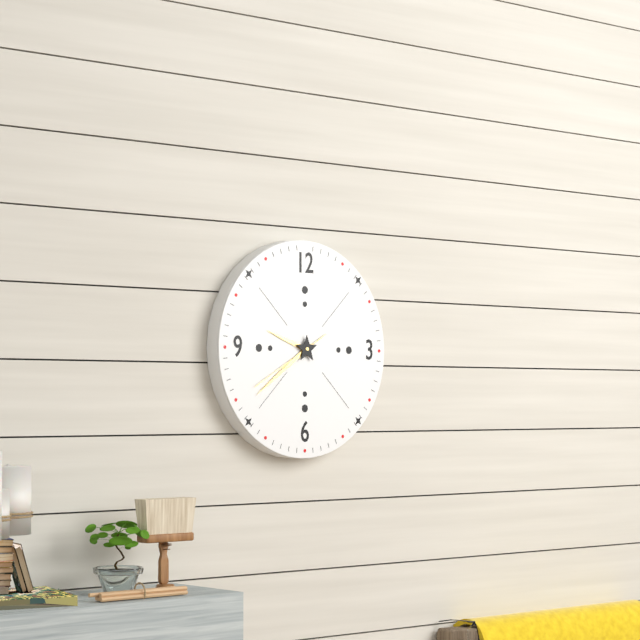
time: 9:39:40
